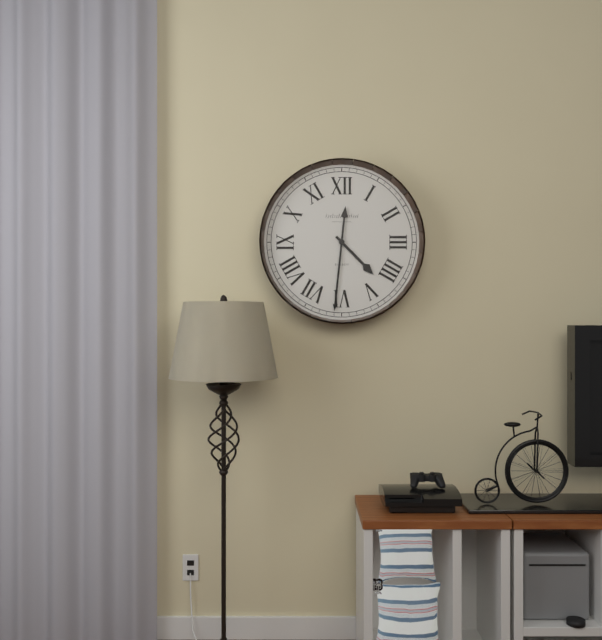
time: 4:31
